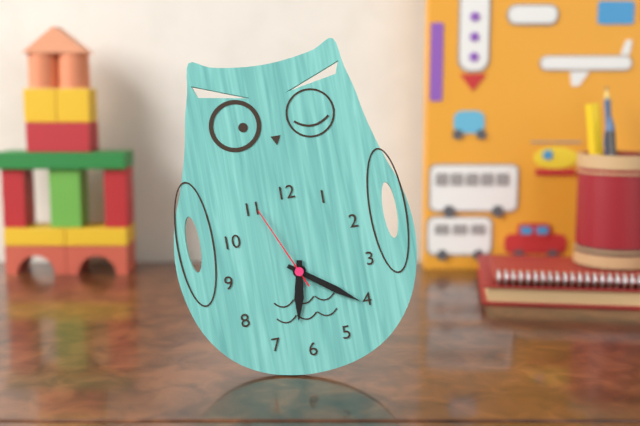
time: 6:21:56
